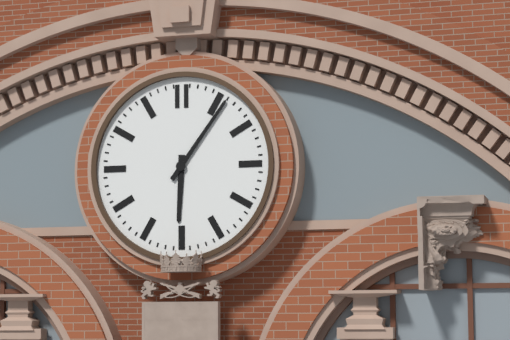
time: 6:06
